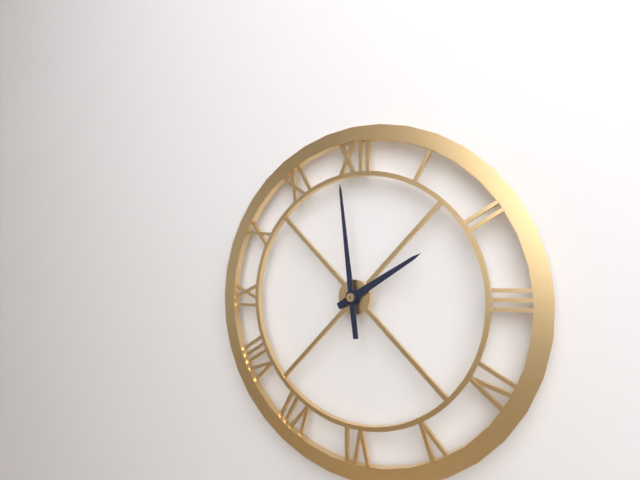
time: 1:59
